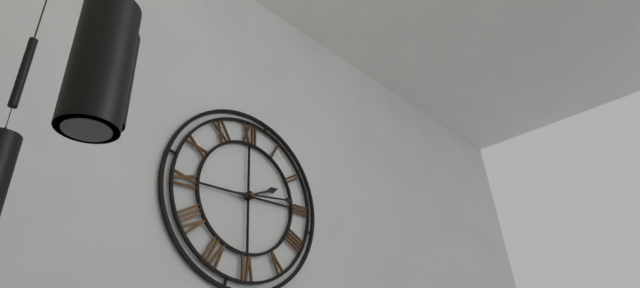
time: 2:14
